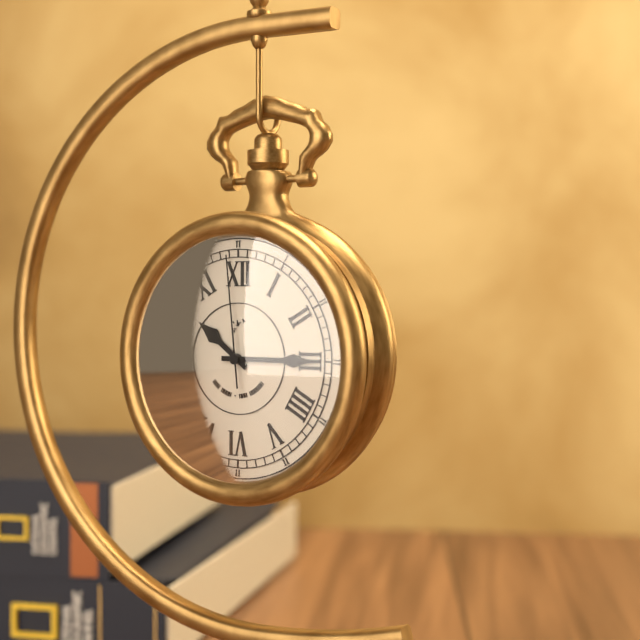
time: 10:15:59
